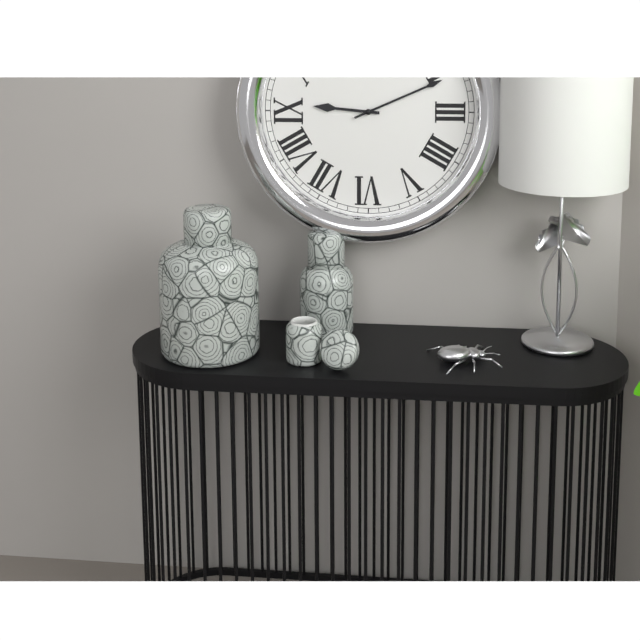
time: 9:11
